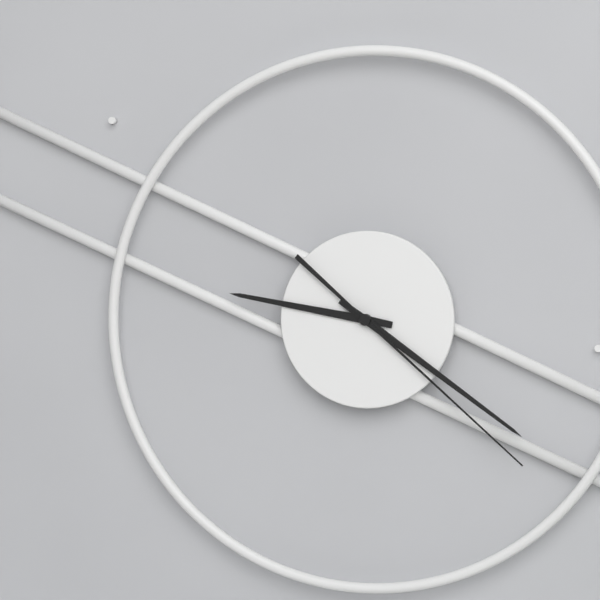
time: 9:21:22
